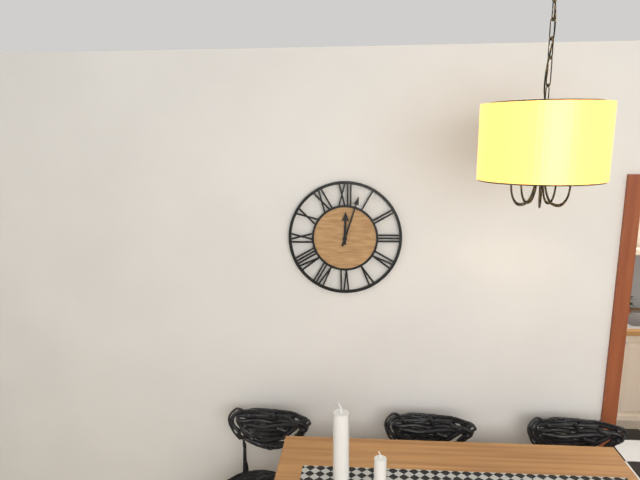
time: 12:03
